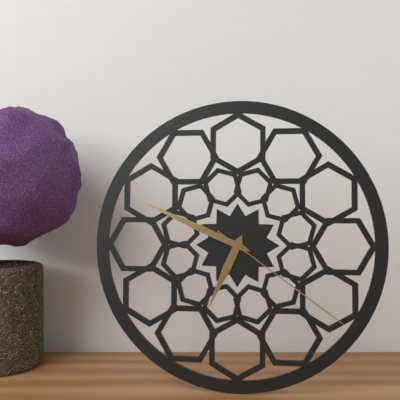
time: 6:49:21
